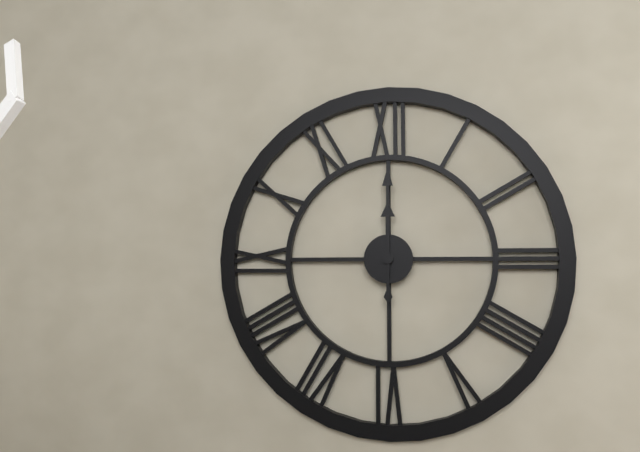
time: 12:00
